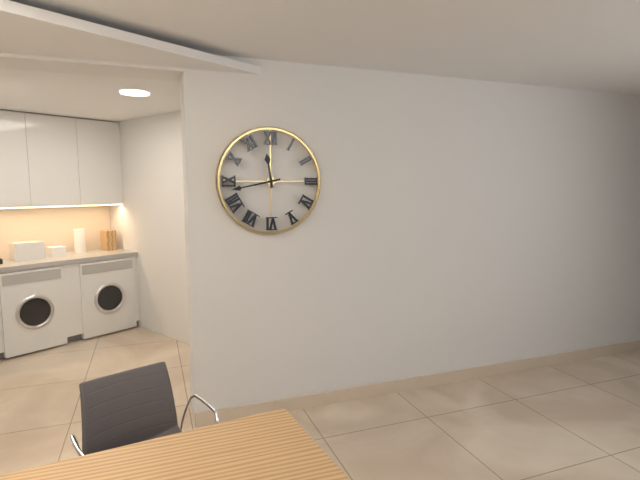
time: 11:43
